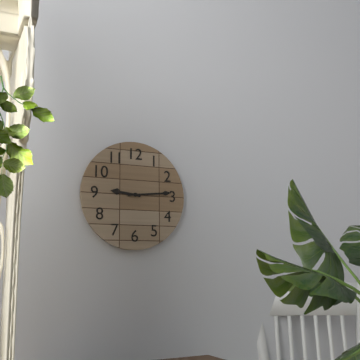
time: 9:14
